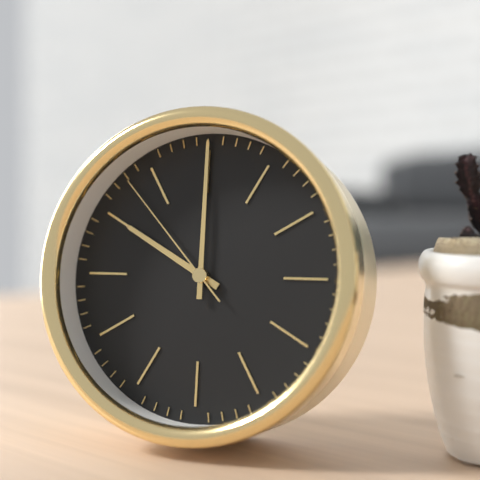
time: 10:00:53
